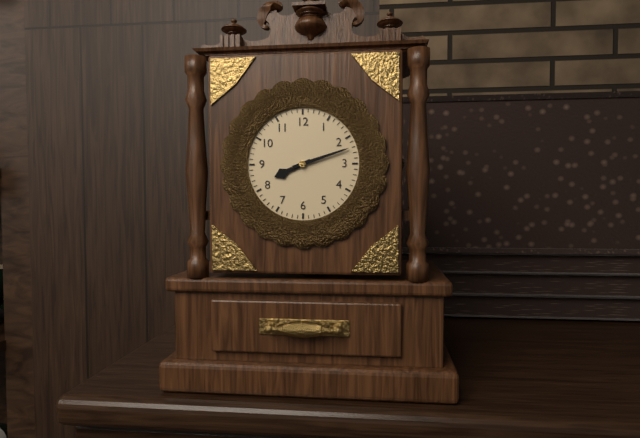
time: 8:12
